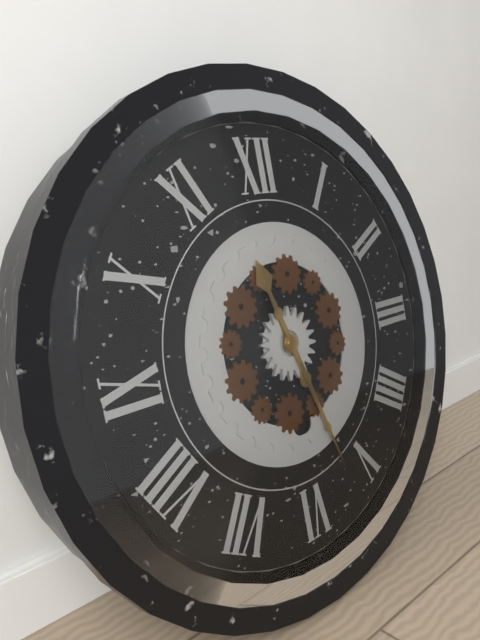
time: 11:27
